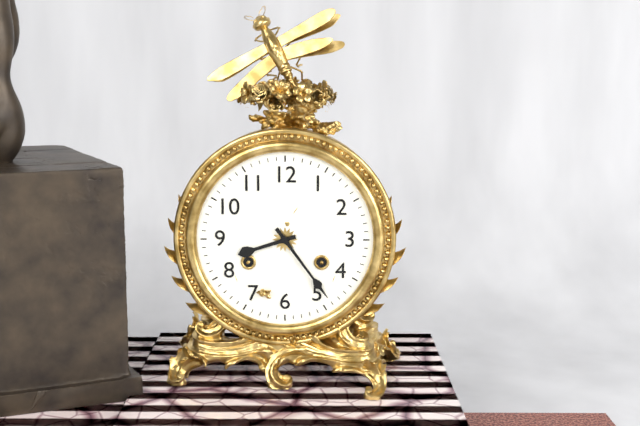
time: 8:24
